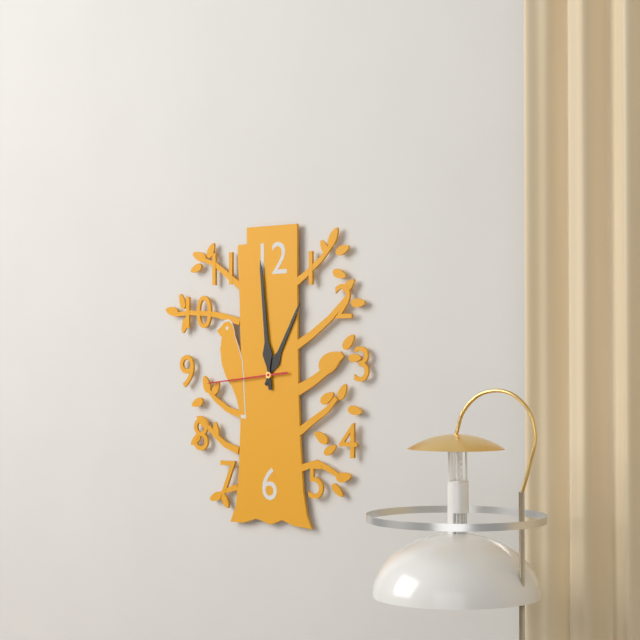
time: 12:59:44
